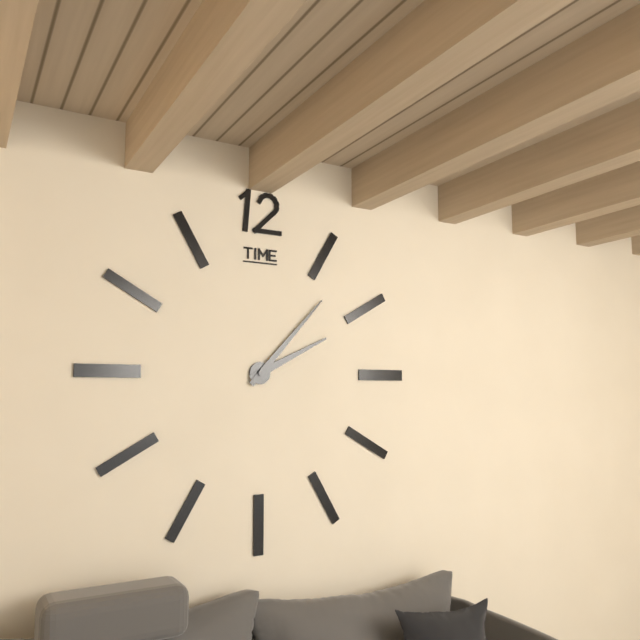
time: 2:07
